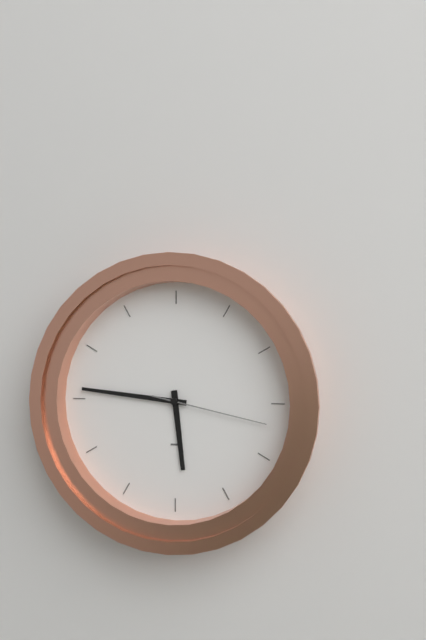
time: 5:46:17
